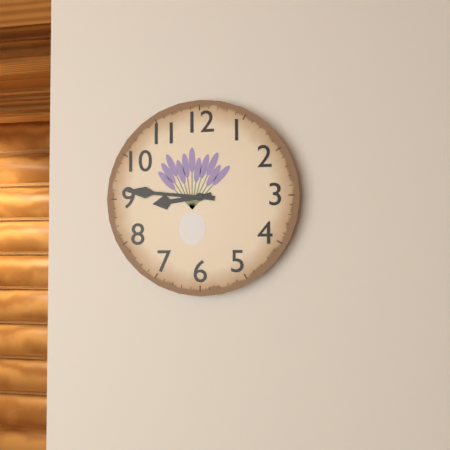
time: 8:46
